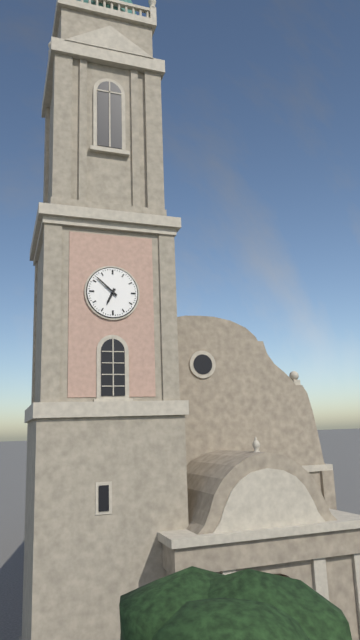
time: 6:52
